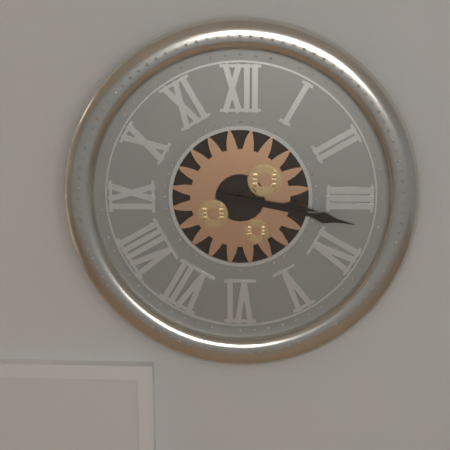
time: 3:17
